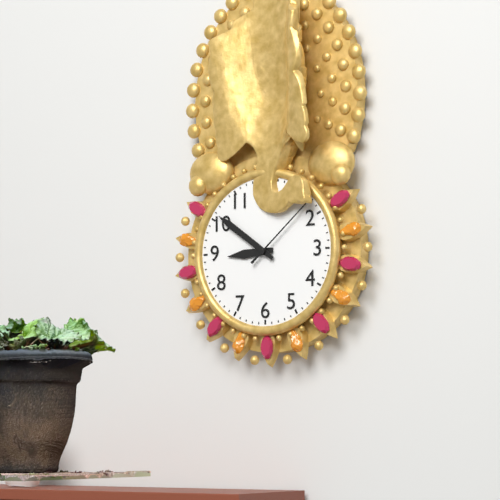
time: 8:51:08
